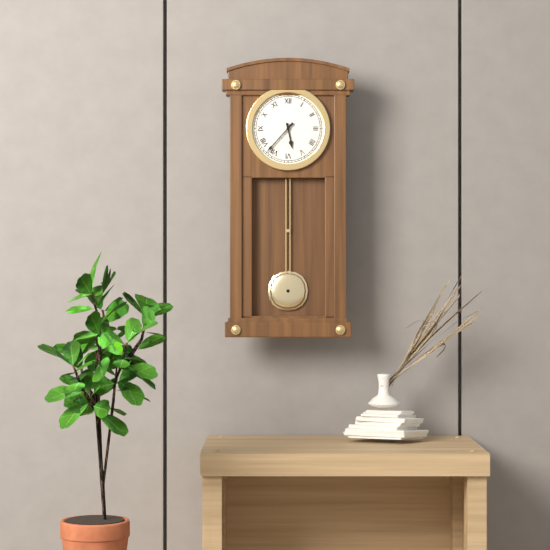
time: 5:37
